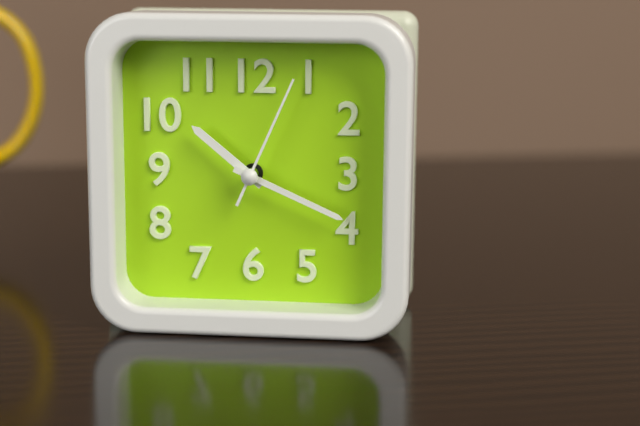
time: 10:19:04
